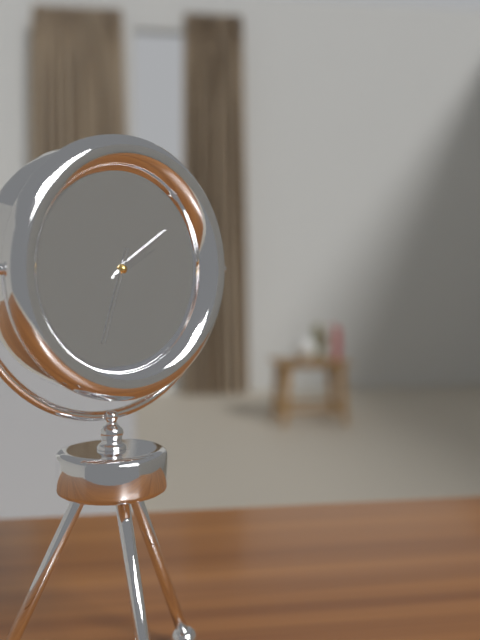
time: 2:09:33
